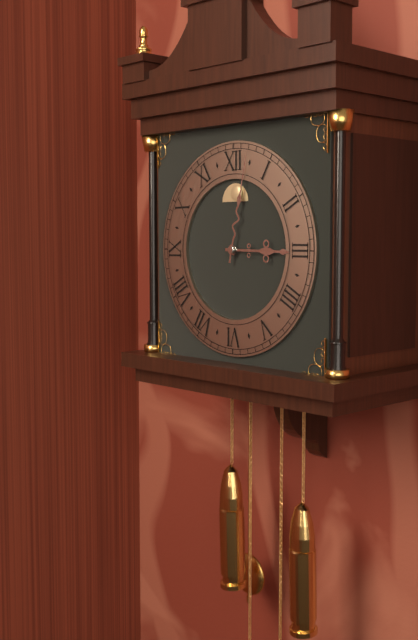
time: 3:02
